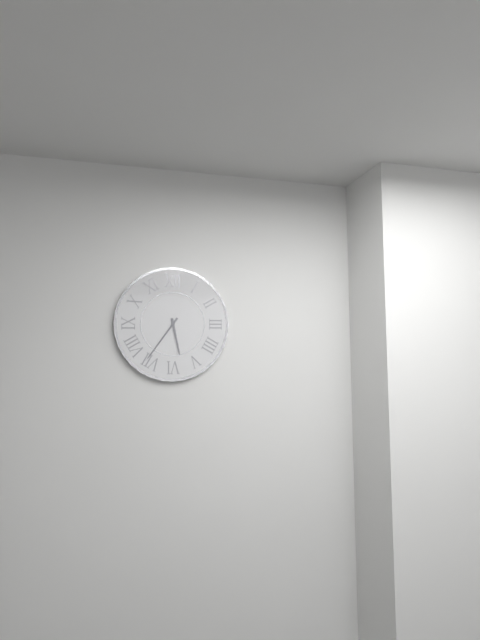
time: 5:36
